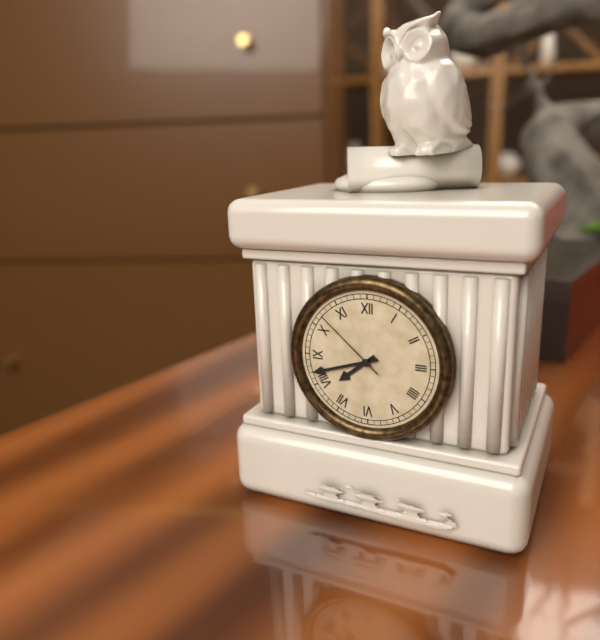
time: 7:42:52
